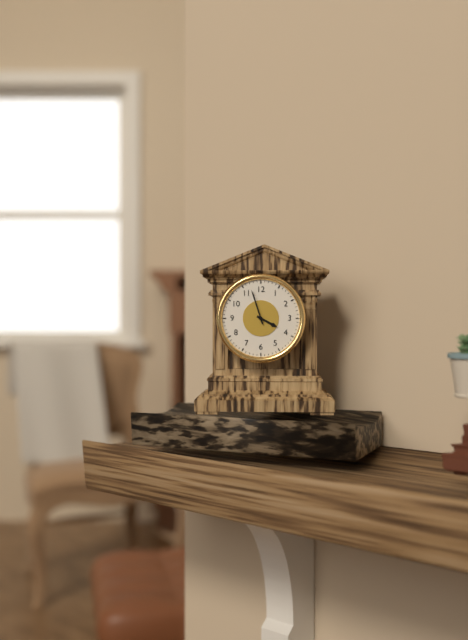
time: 3:57
